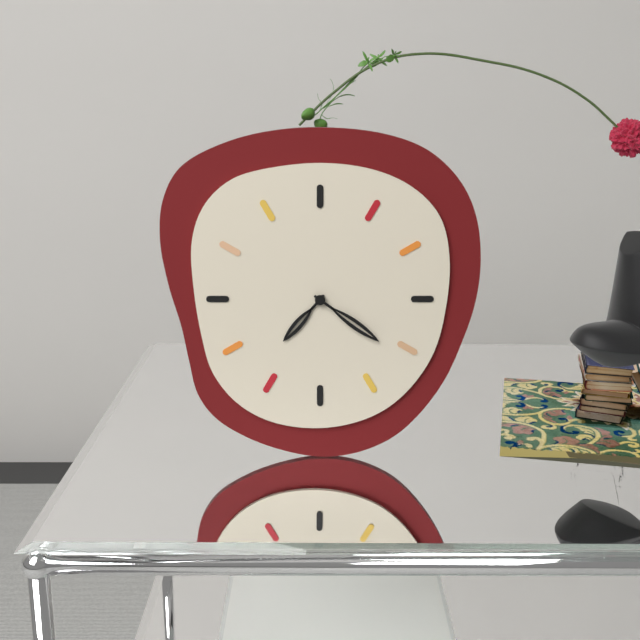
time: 7:21
